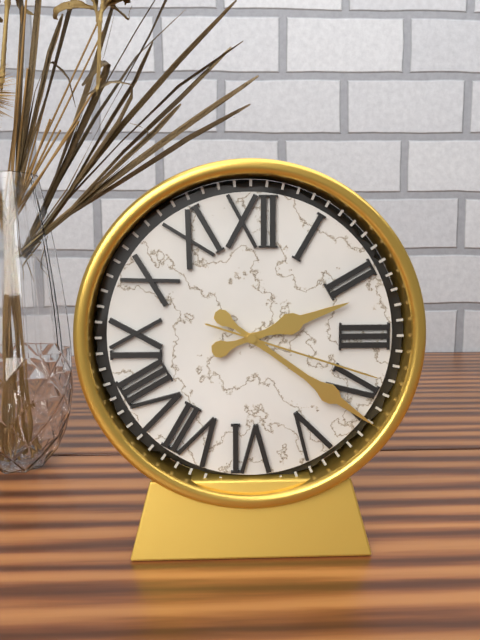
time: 2:21:18
